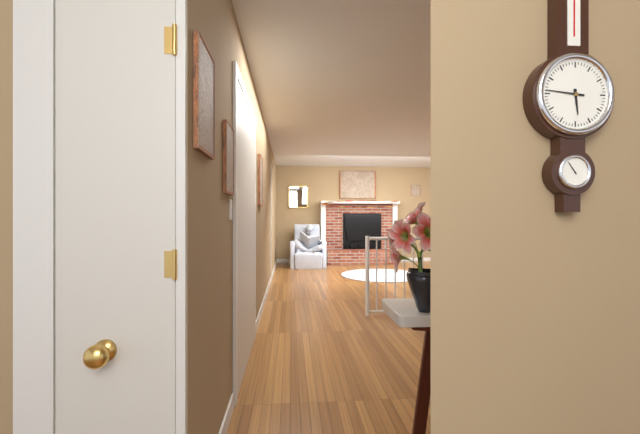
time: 5:46
